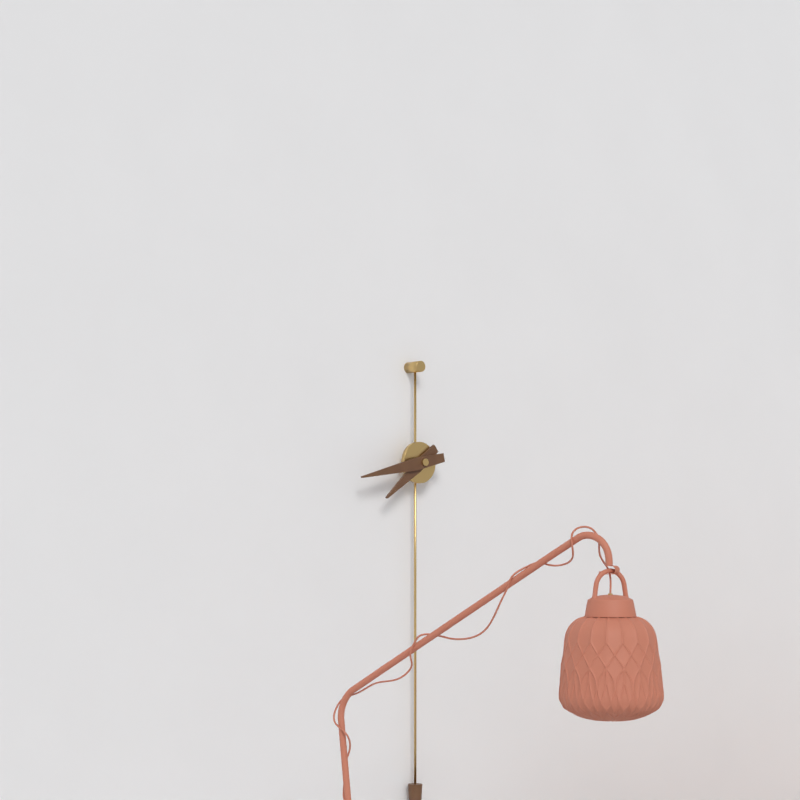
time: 7:43
